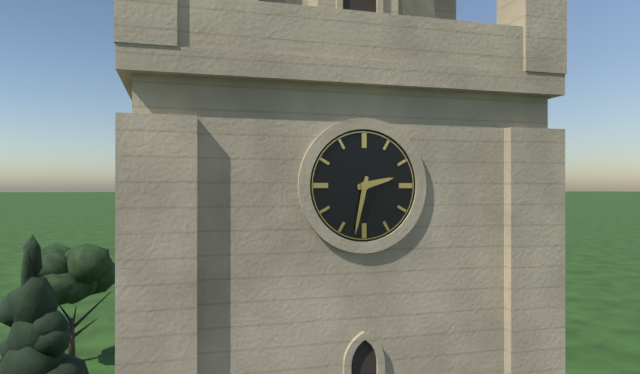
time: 2:32
